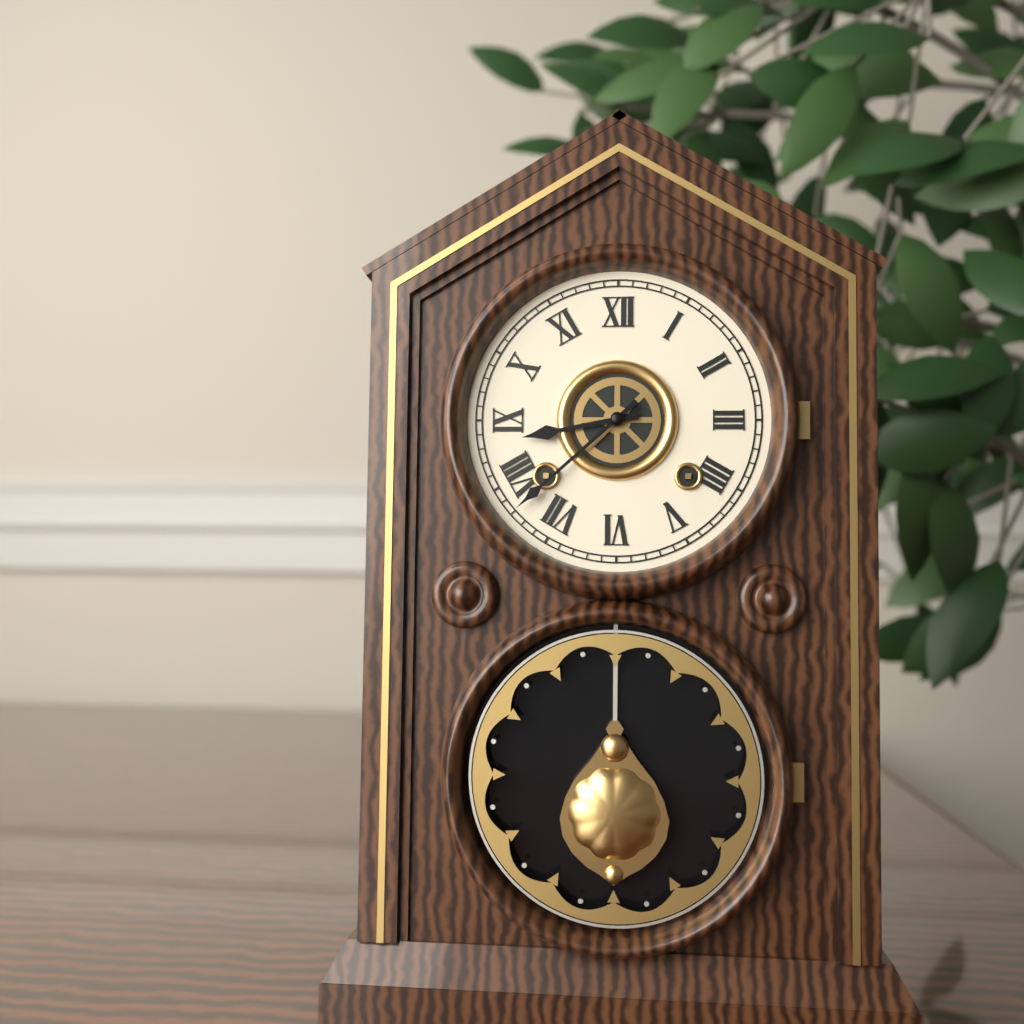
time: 8:38
